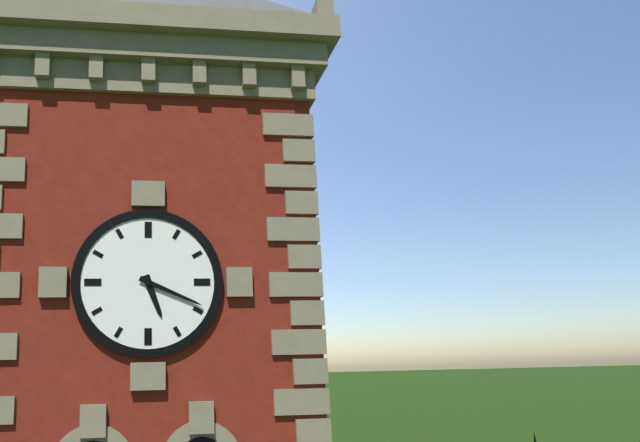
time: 5:19
